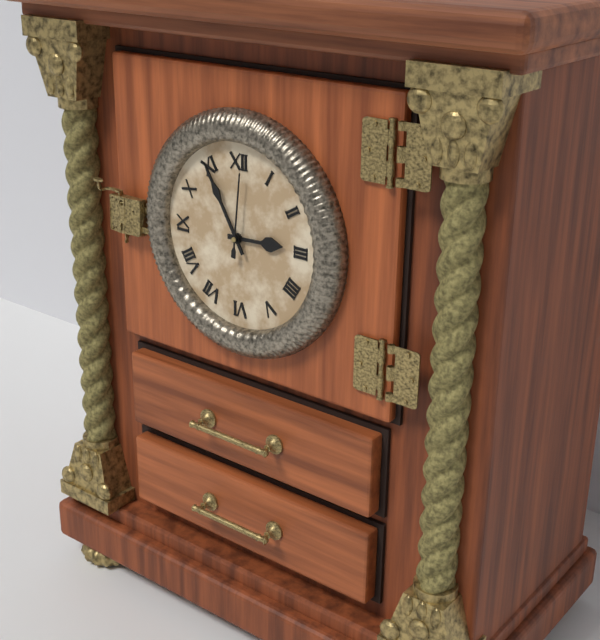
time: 2:55:01
